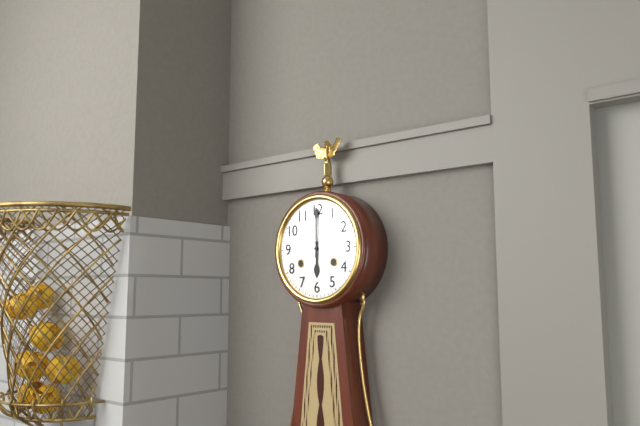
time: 6:00
